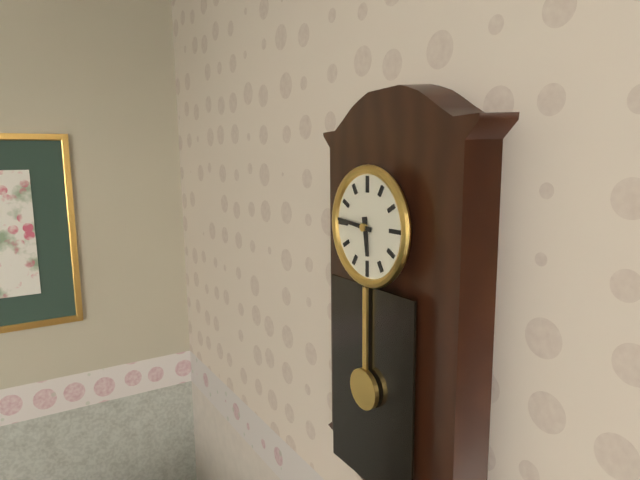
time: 5:46
